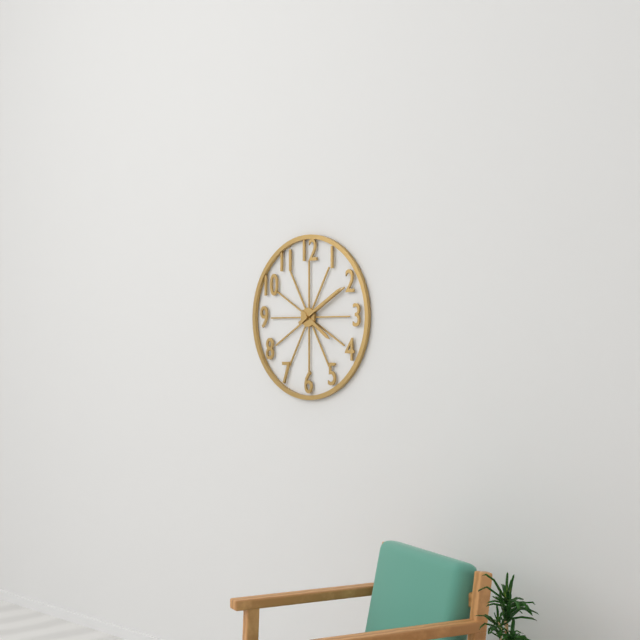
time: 4:10
